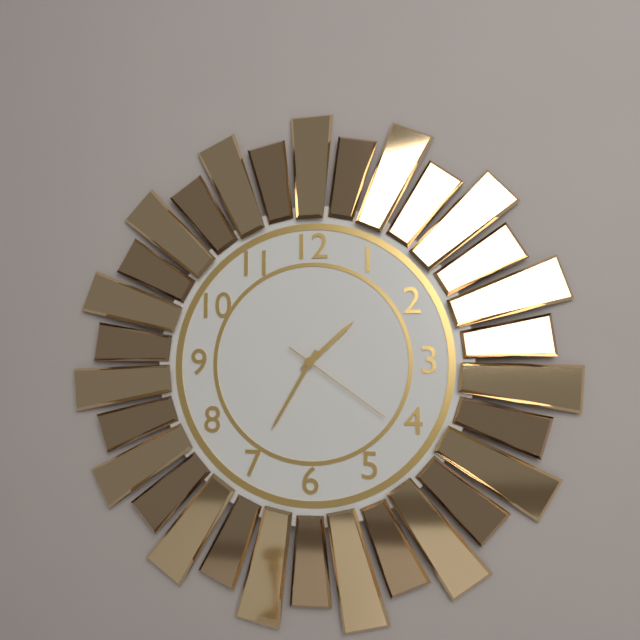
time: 1:35:21
